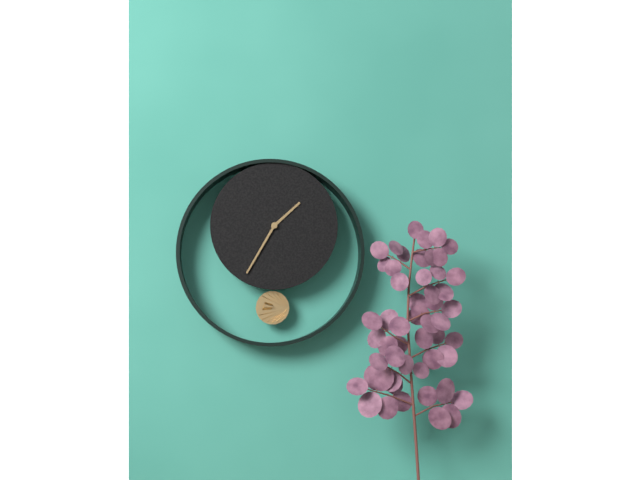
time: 1:35
